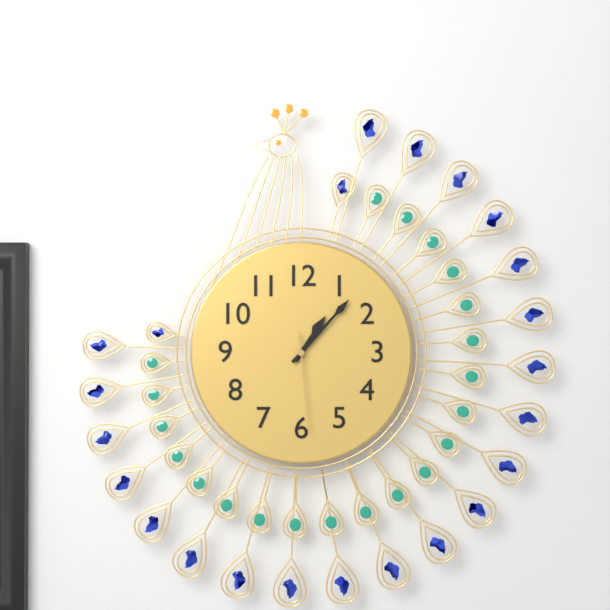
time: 1:07:29
